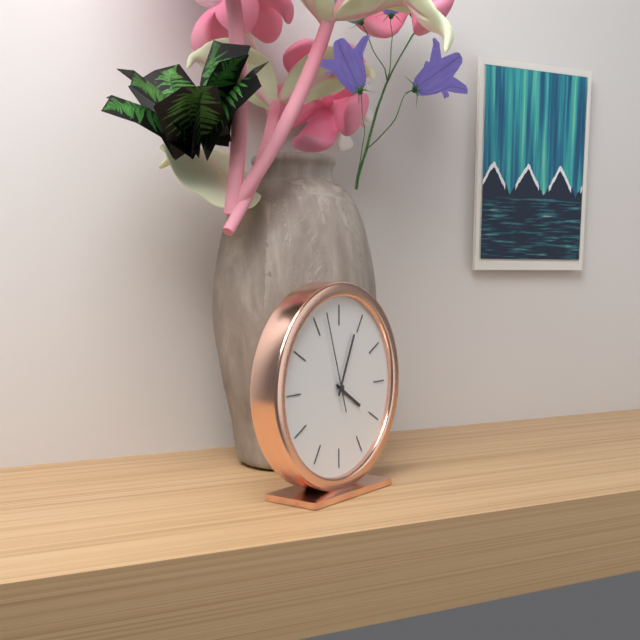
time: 4:04:57
